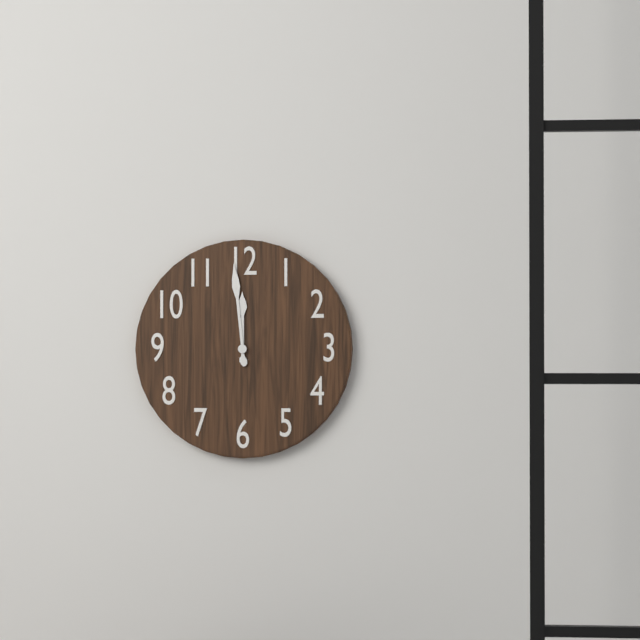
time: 11:59
